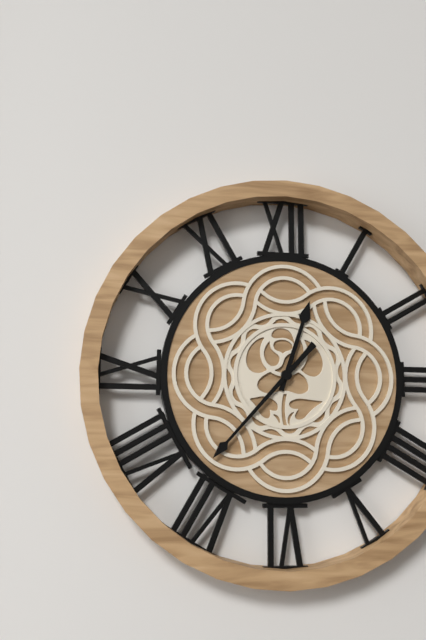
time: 12:37
